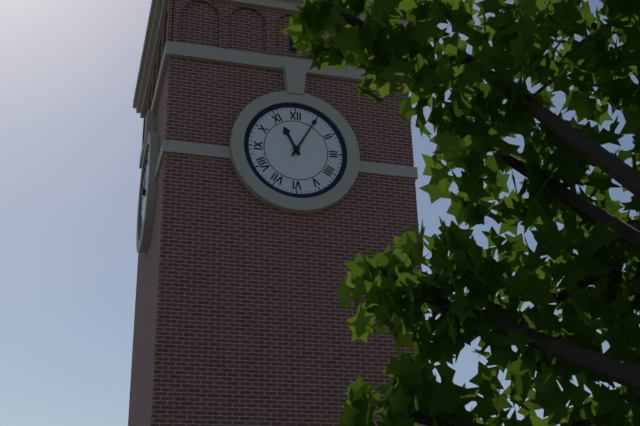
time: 11:05
